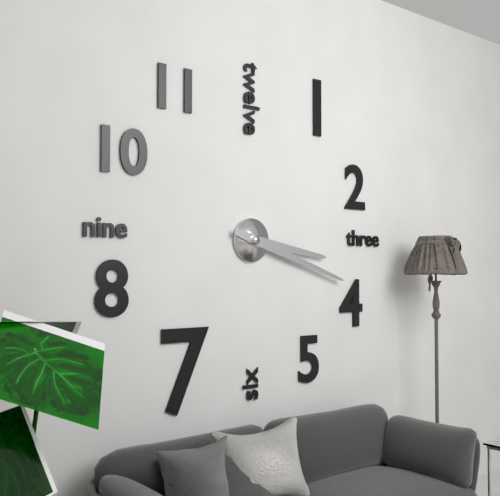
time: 3:18
